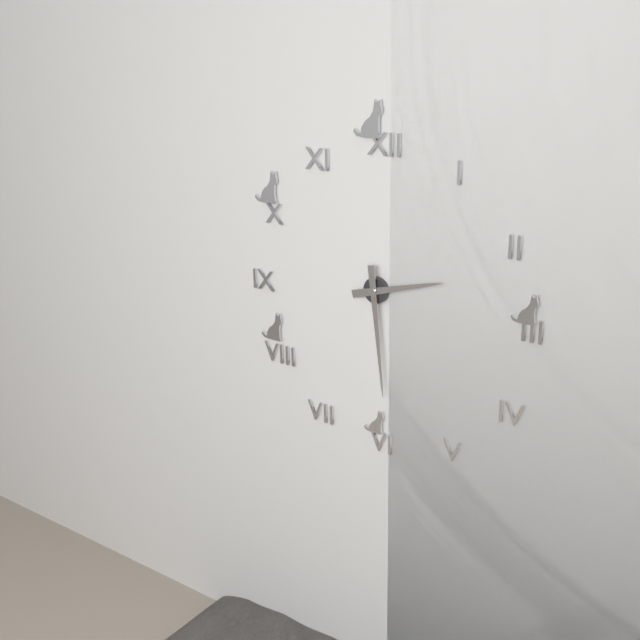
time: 2:29
